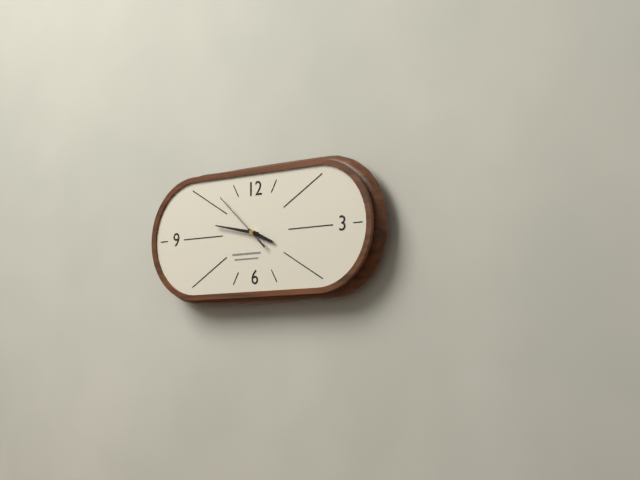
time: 3:47:52
